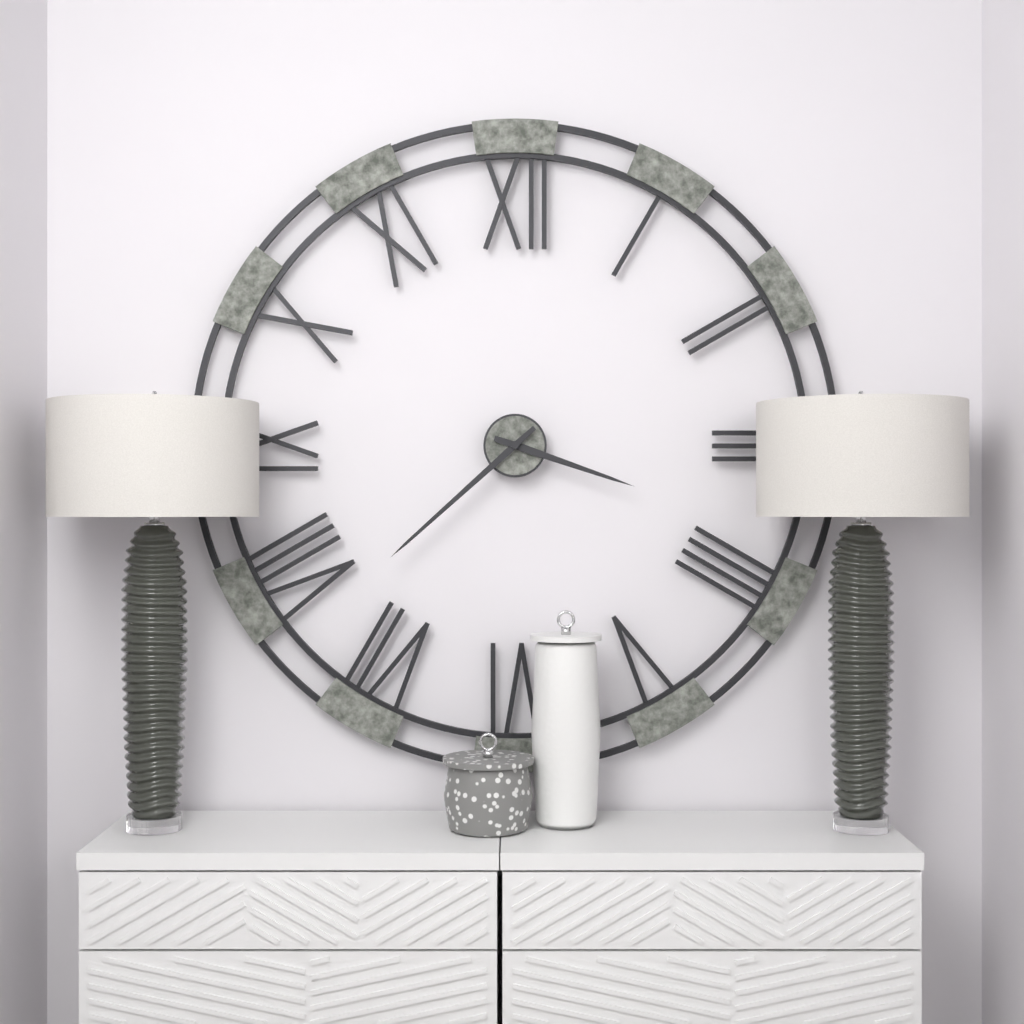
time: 3:38
